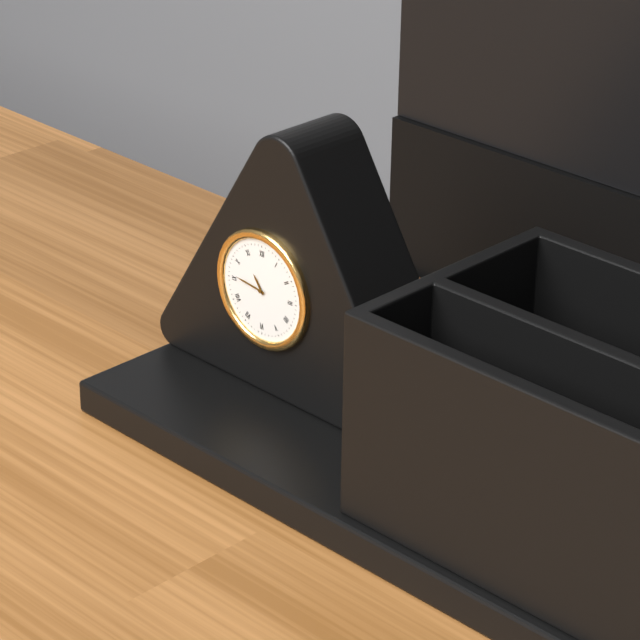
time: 10:46
